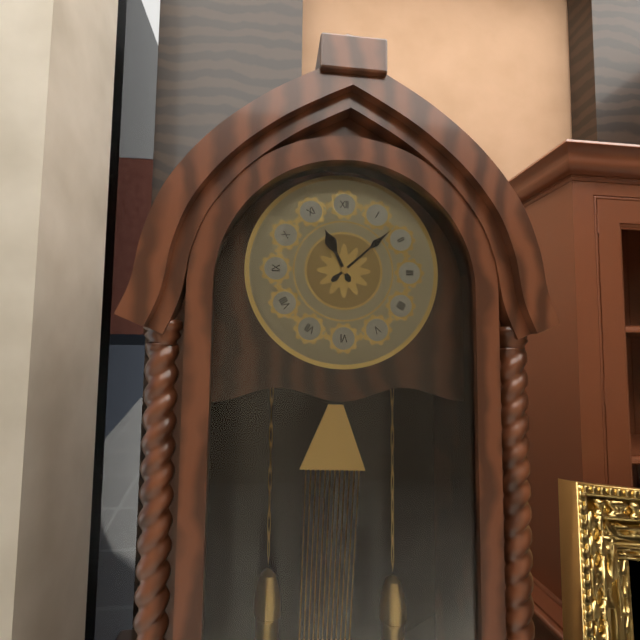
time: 11:08
